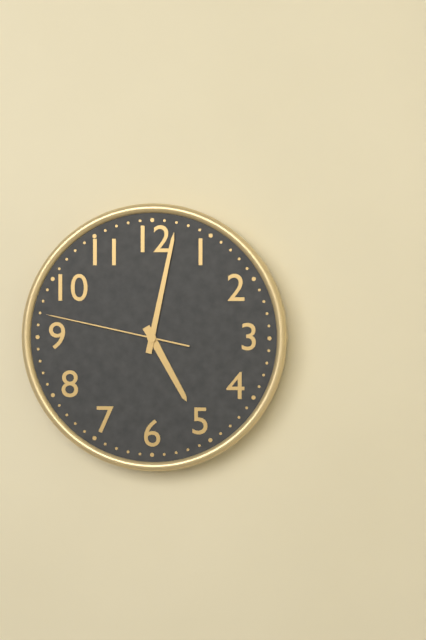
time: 5:02:47
